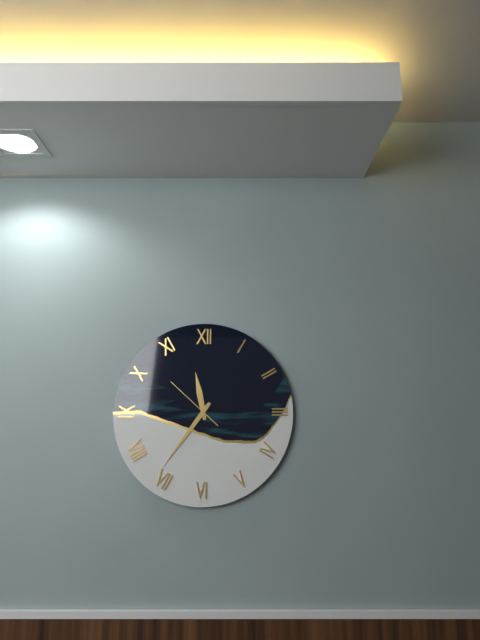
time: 11:36:52
